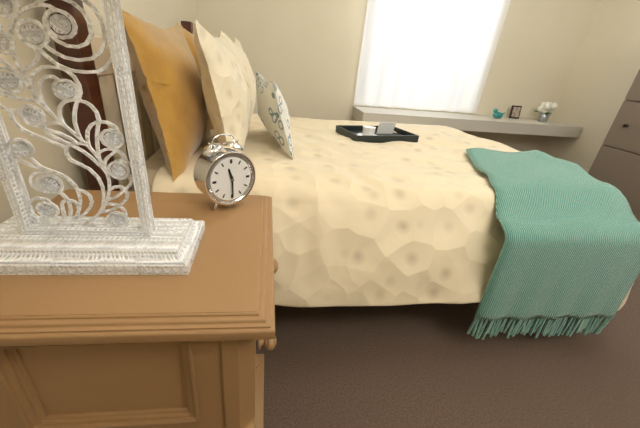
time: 11:30
